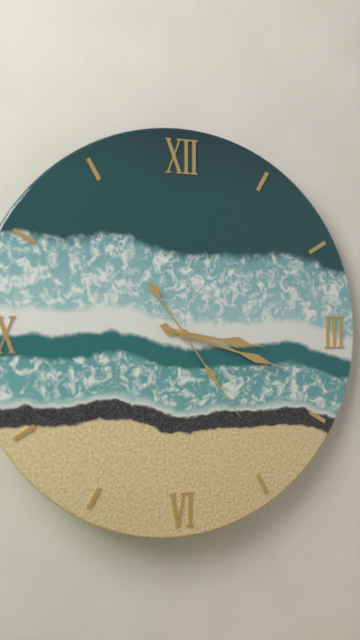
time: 3:18:24
